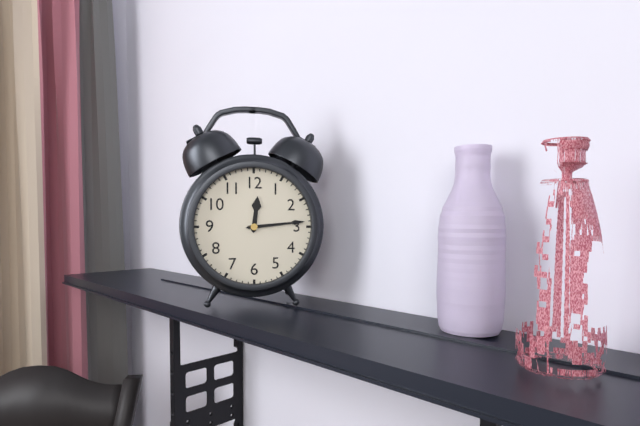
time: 12:14
